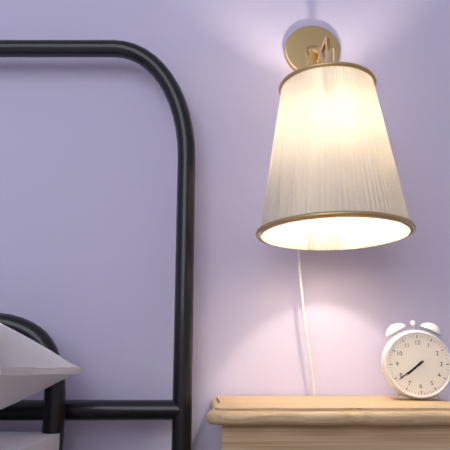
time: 7:39
